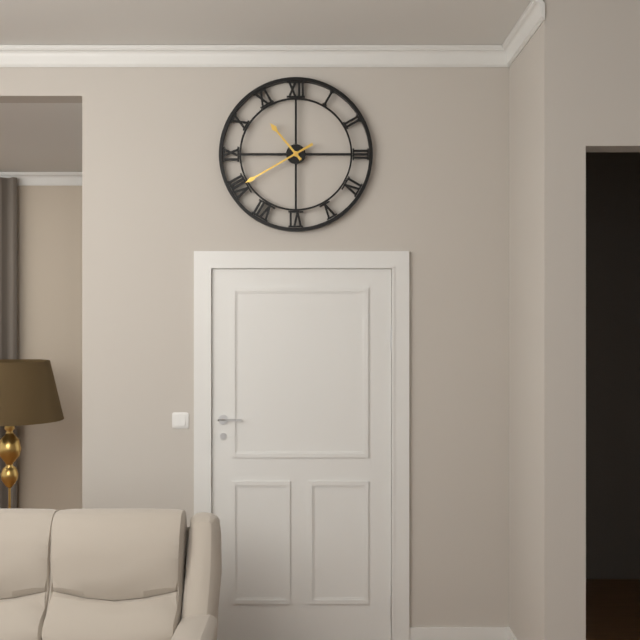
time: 10:40
